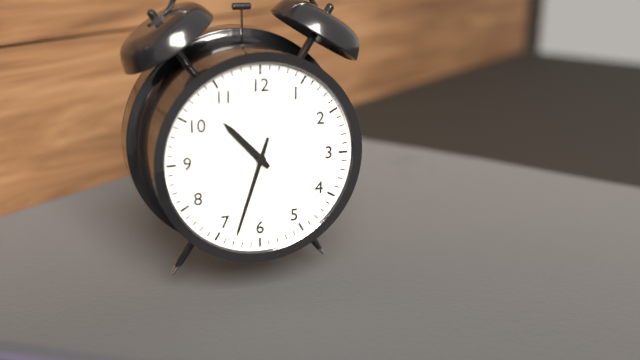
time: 10:33
